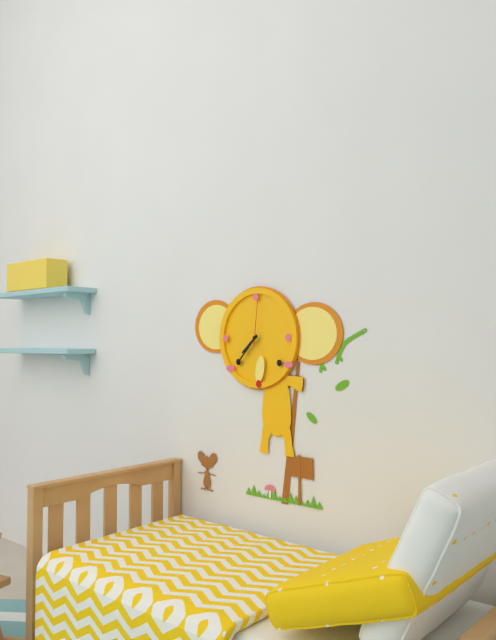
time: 7:37
